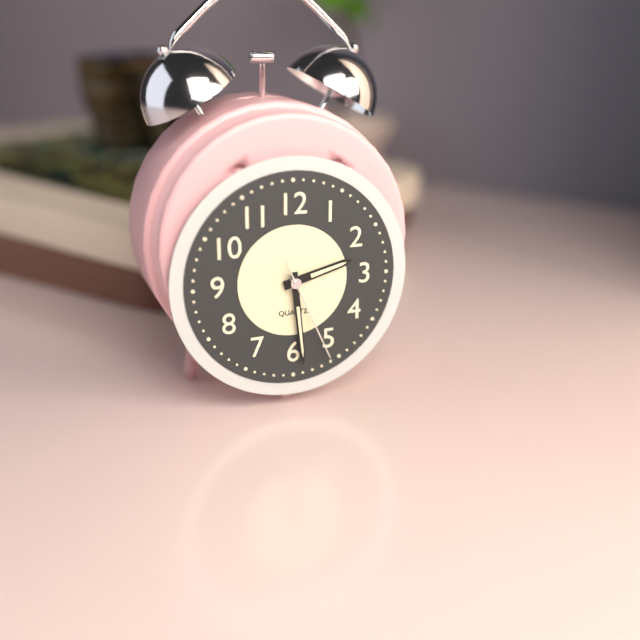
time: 2:29:26
